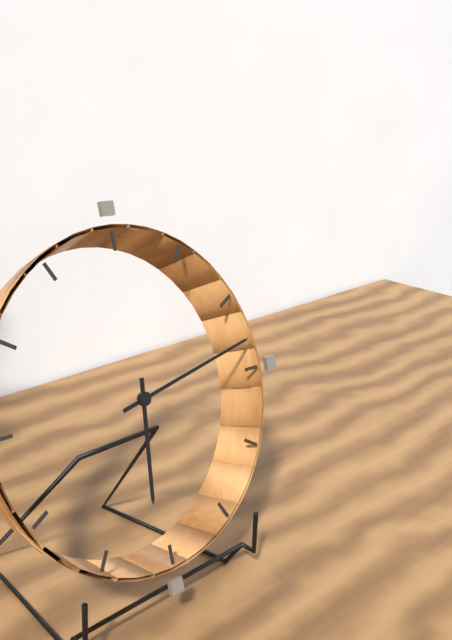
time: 6:13
